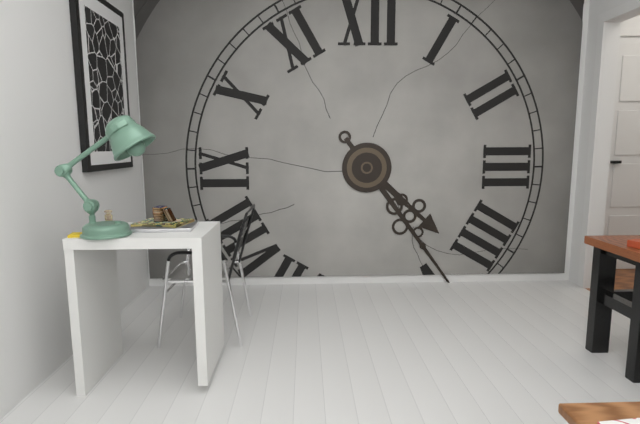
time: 4:24
